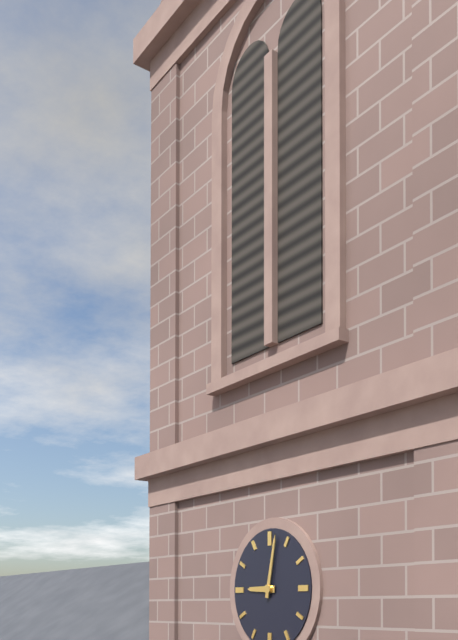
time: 9:02
